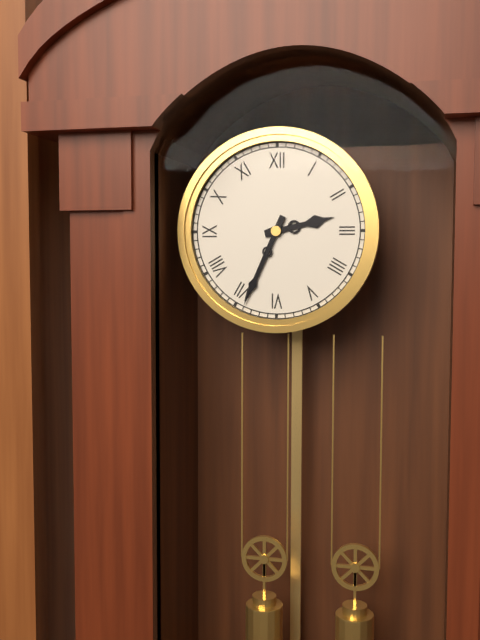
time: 2:34
